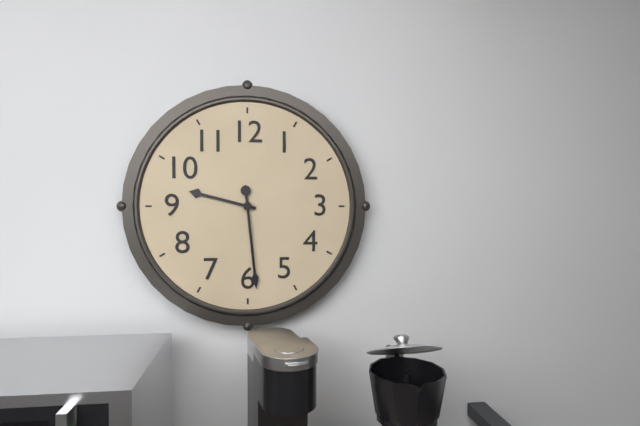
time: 9:29
